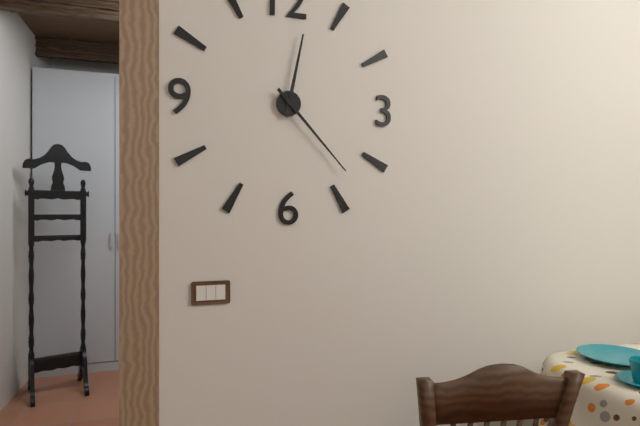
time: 12:23
